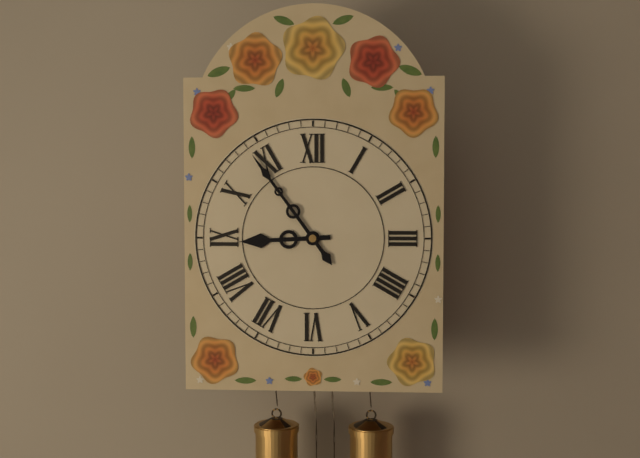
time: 8:54
